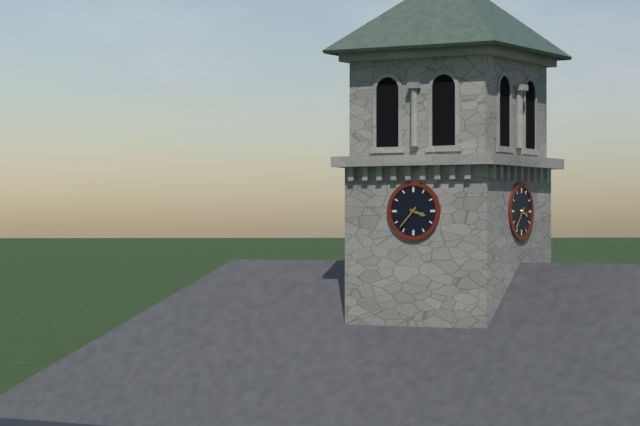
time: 3:37
